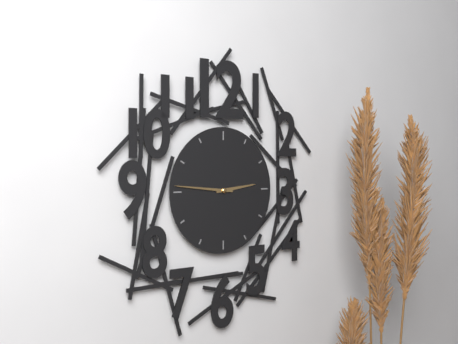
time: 2:46
